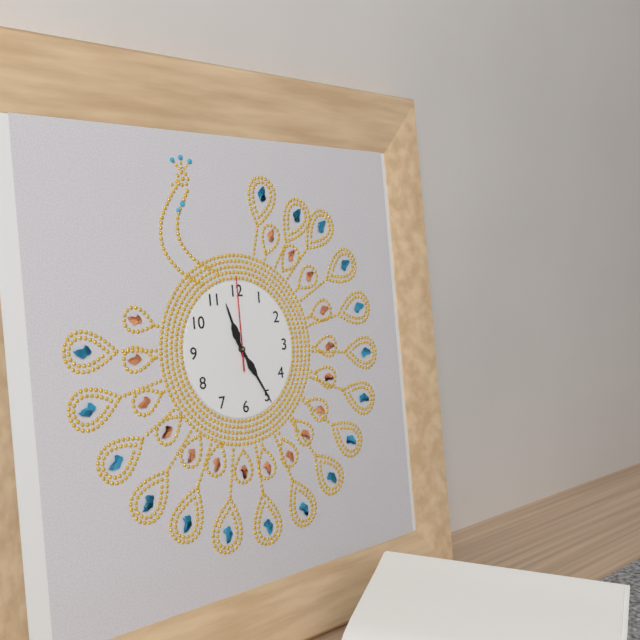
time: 11:25:00
